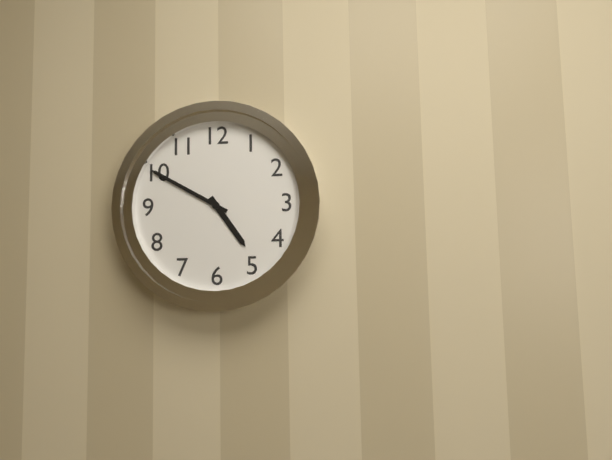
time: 4:50
